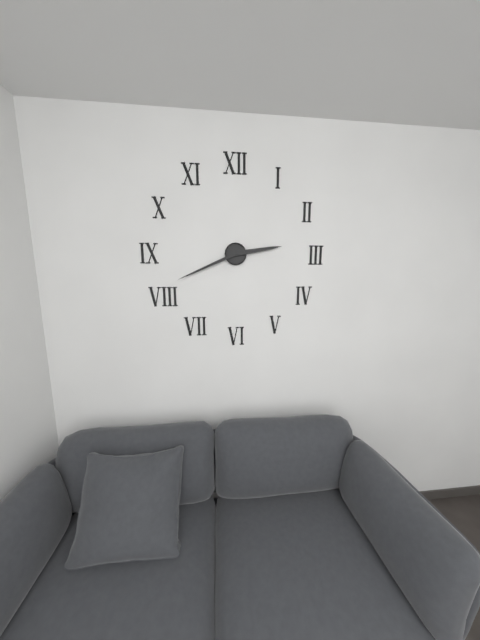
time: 2:41
